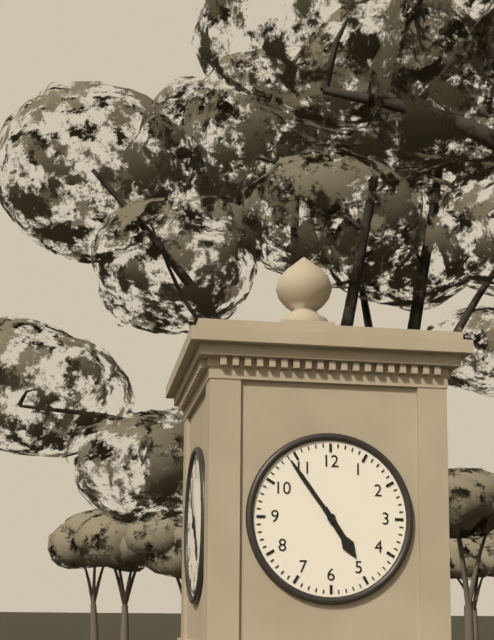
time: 4:54
